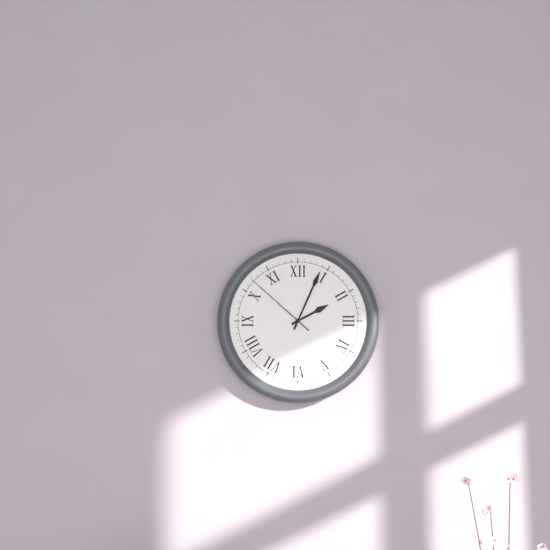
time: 2:04:52
